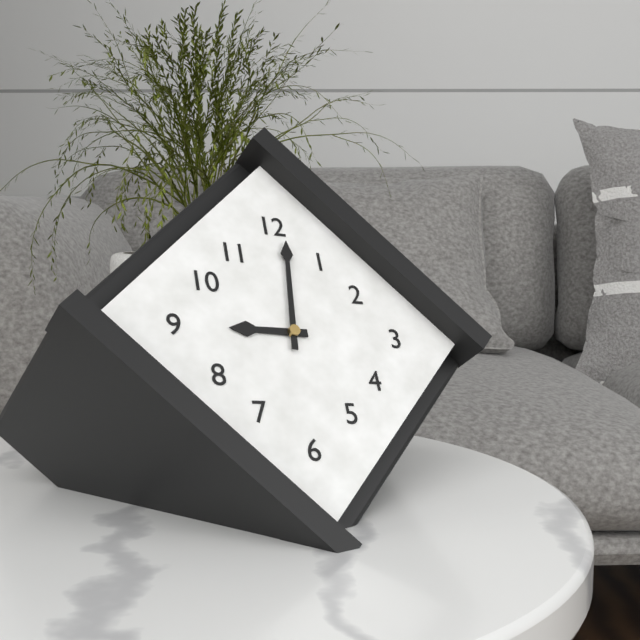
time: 9:01
